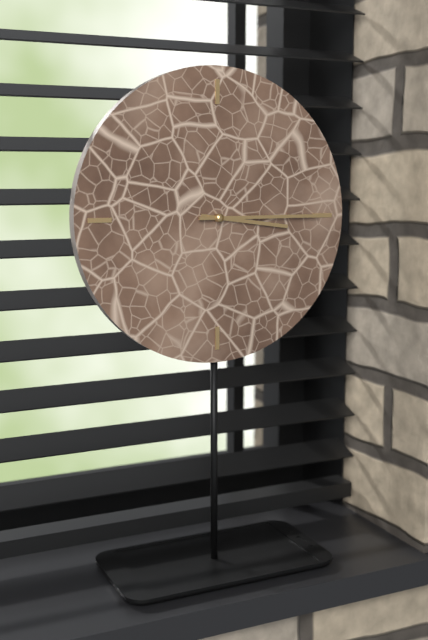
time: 3:15
